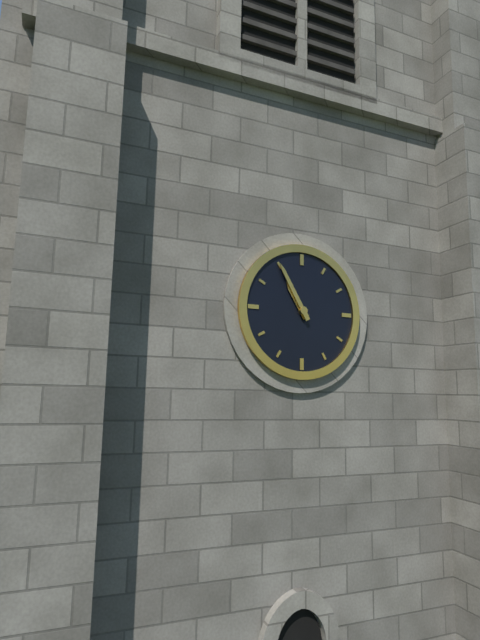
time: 10:55
